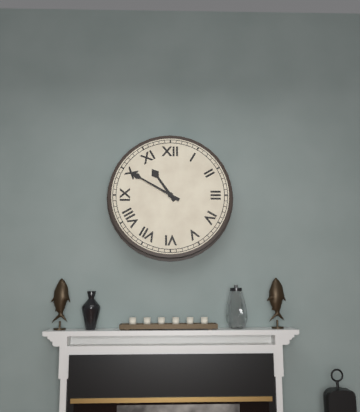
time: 10:50
